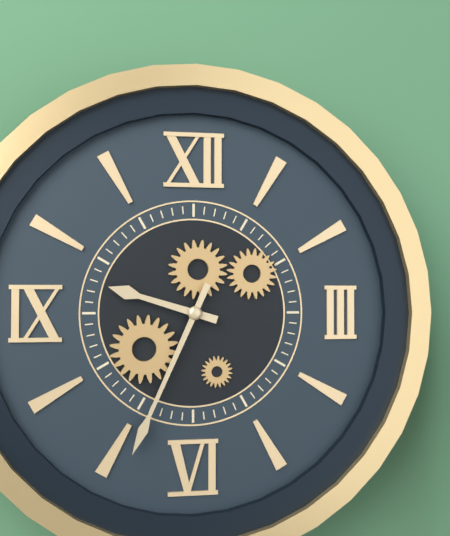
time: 9:34
